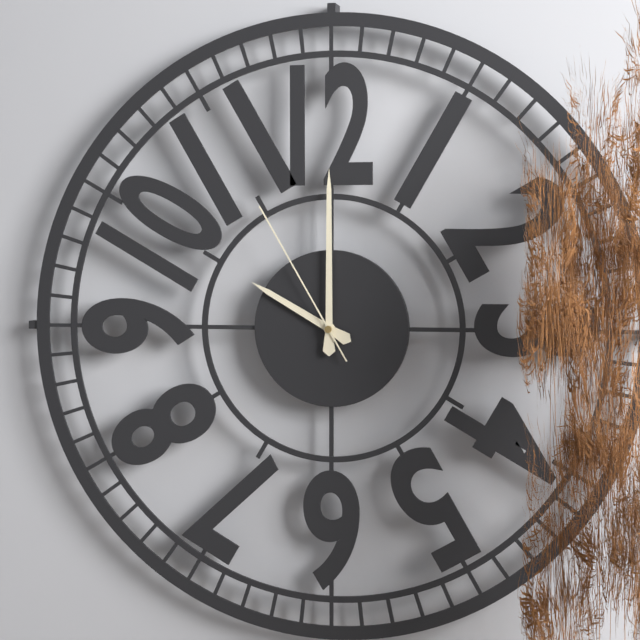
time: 10:00:55
